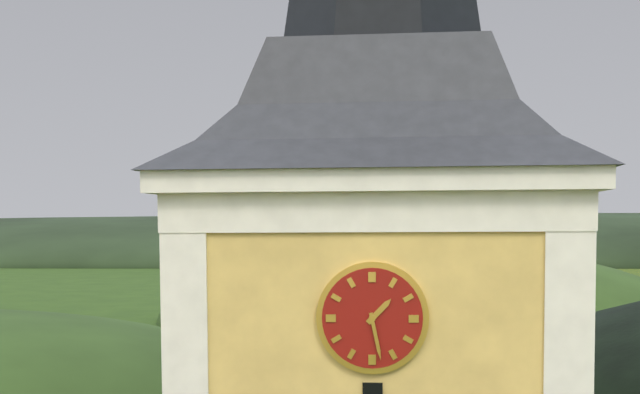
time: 1:28
